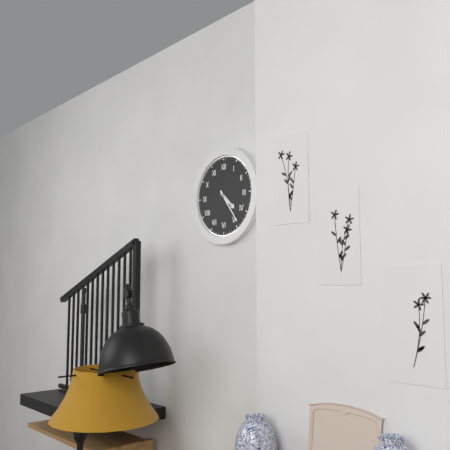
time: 4:24
